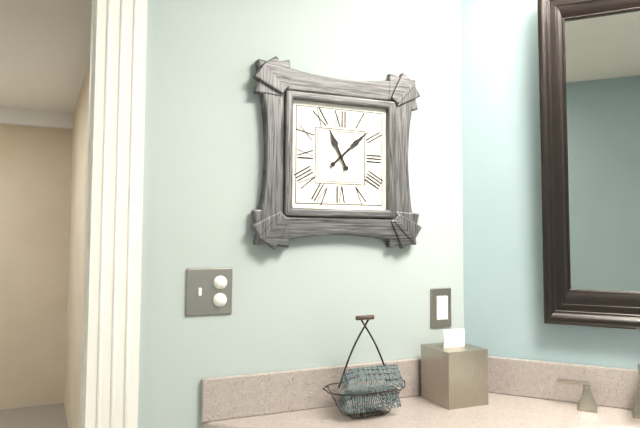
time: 11:08
